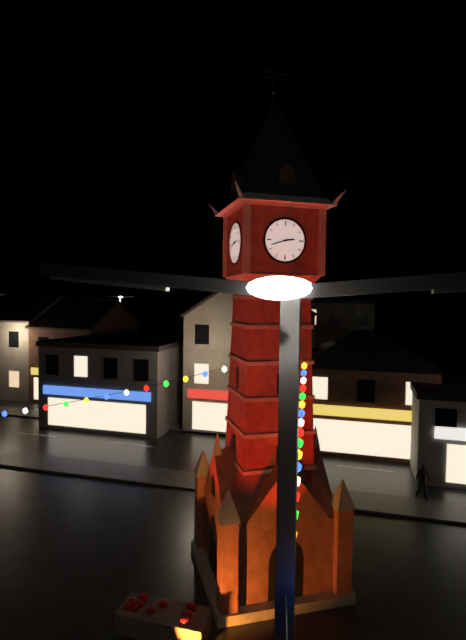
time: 2:42
